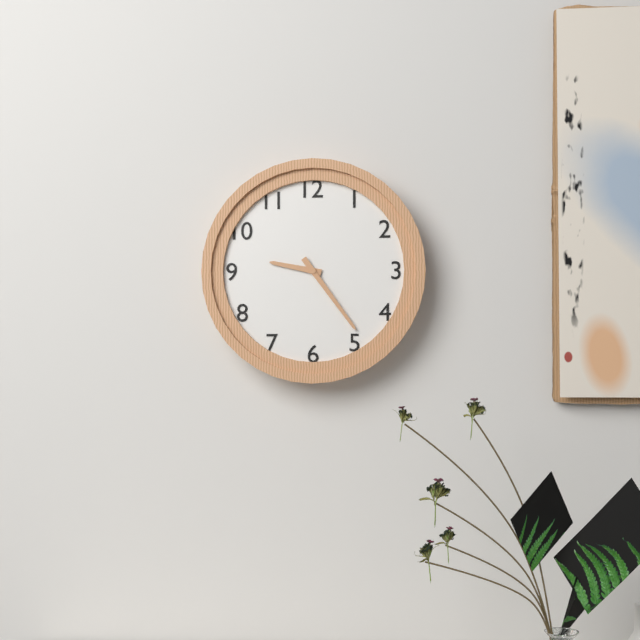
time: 9:24
